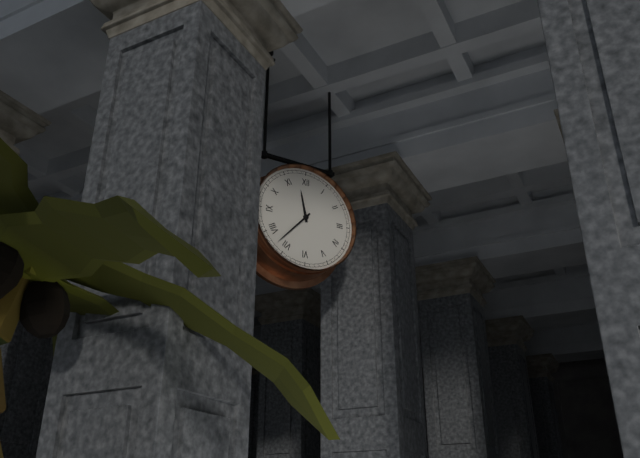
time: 11:37
